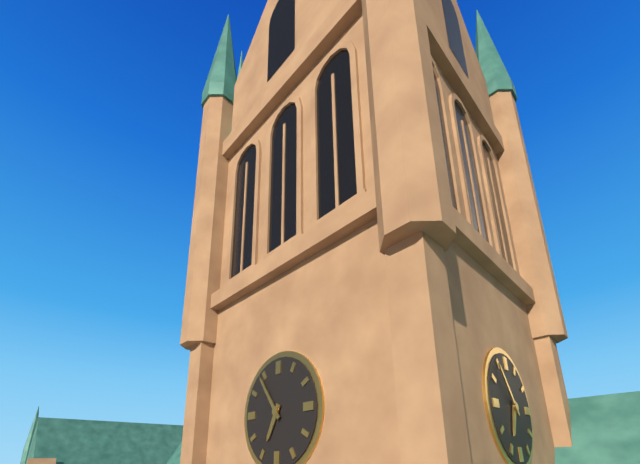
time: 6:54
